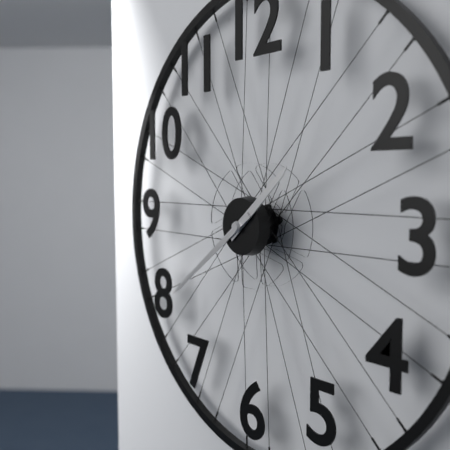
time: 1:39
